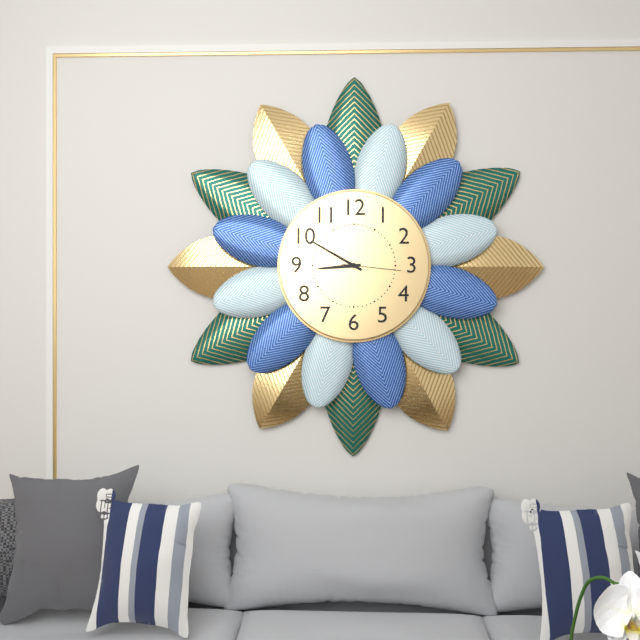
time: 8:50:16
